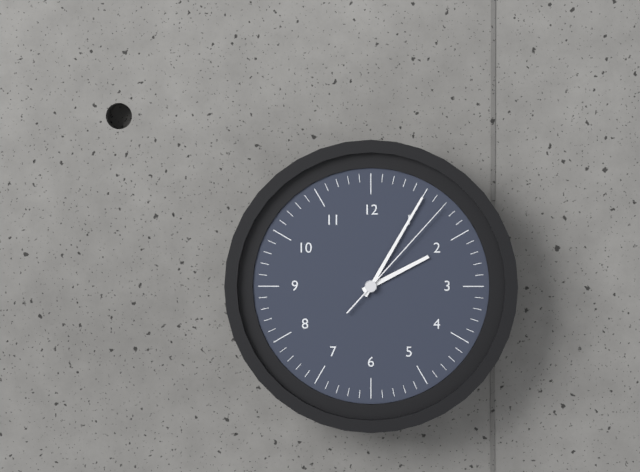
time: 2:05:07
